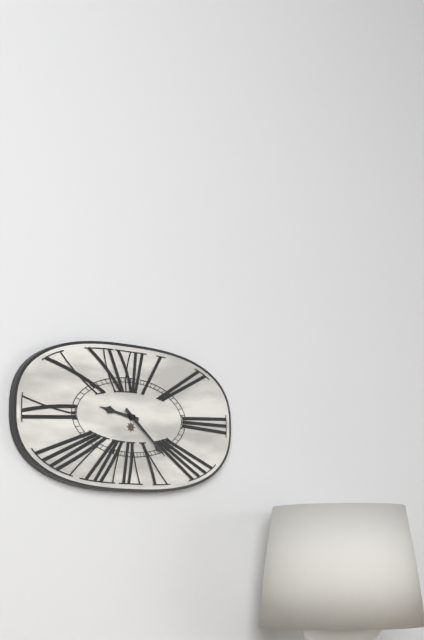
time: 9:22
